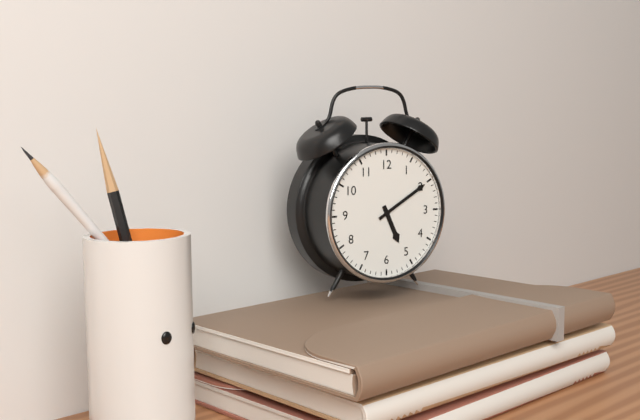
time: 5:10
